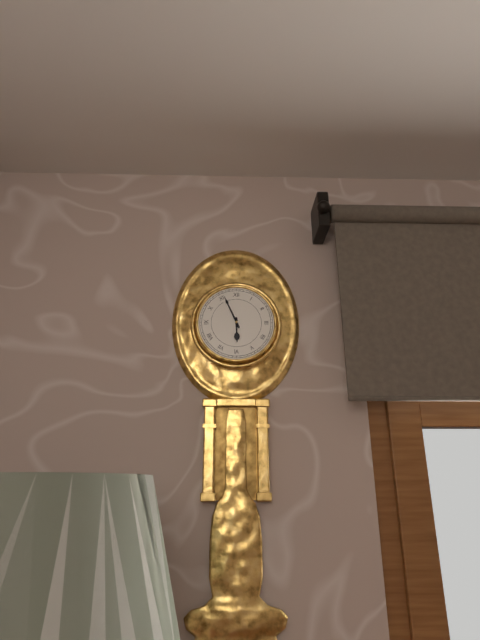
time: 5:56
